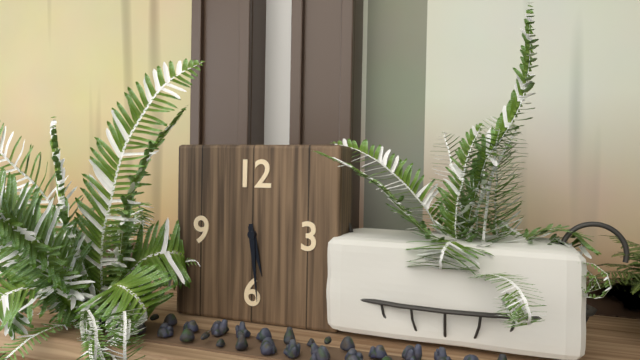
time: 5:29
